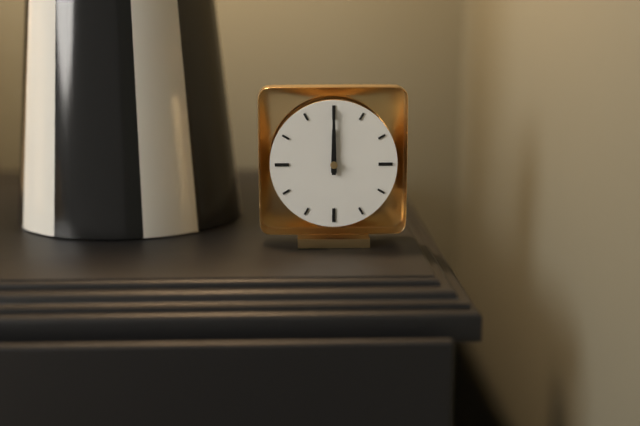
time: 12:00
